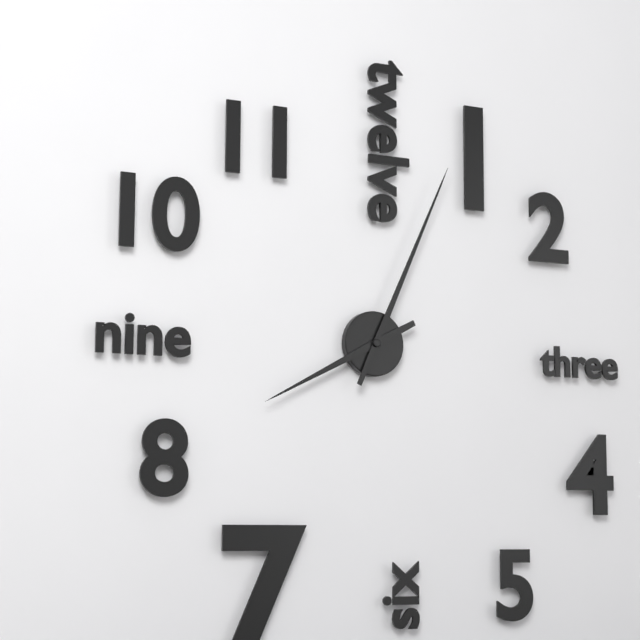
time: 8:04
